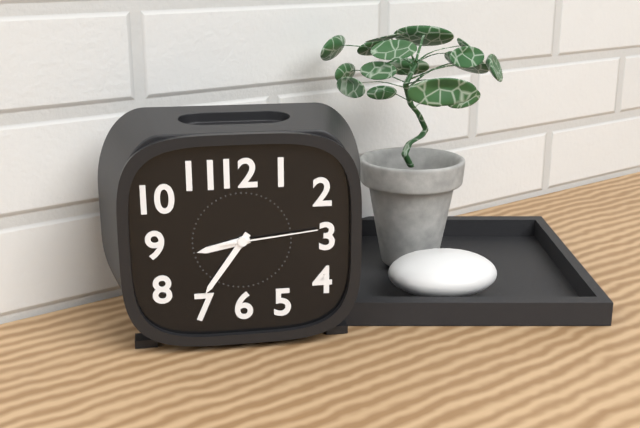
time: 8:36:14
